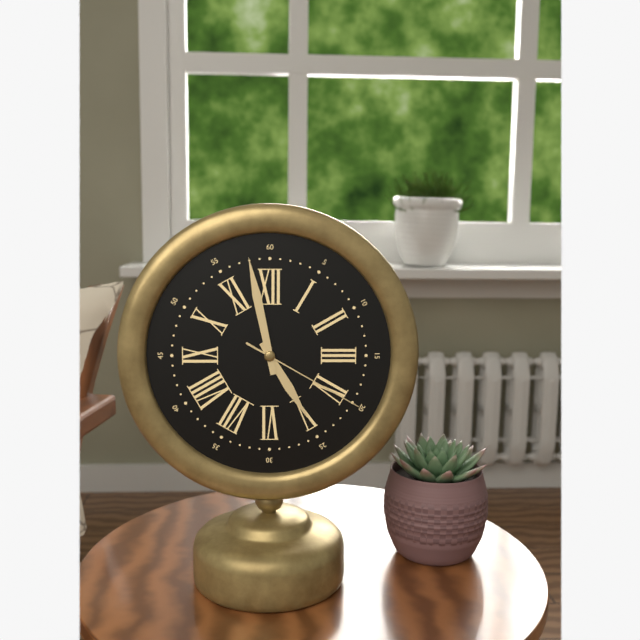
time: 4:58:20
